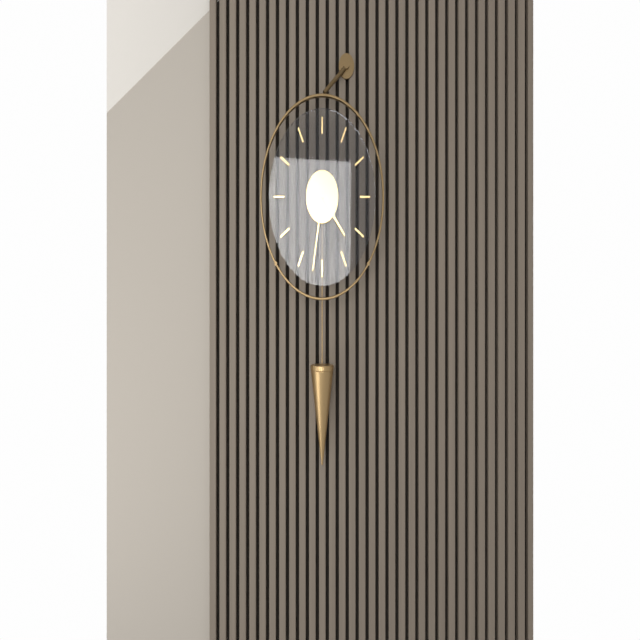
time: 4:32
